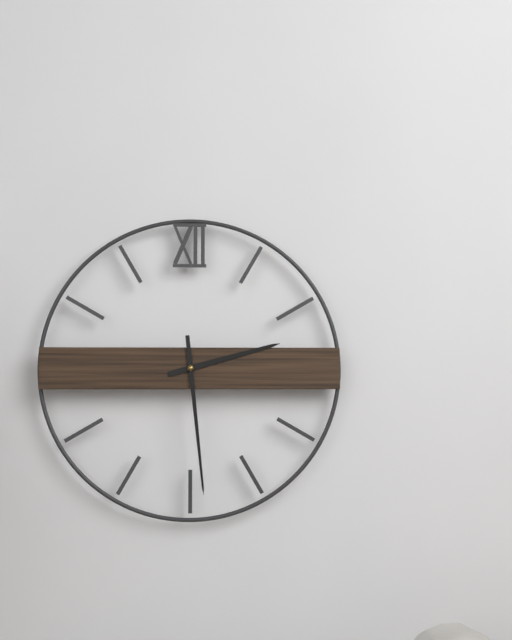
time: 2:29
